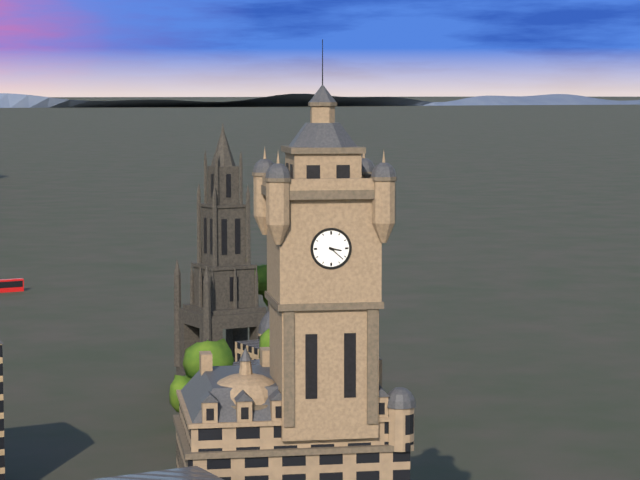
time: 3:22
